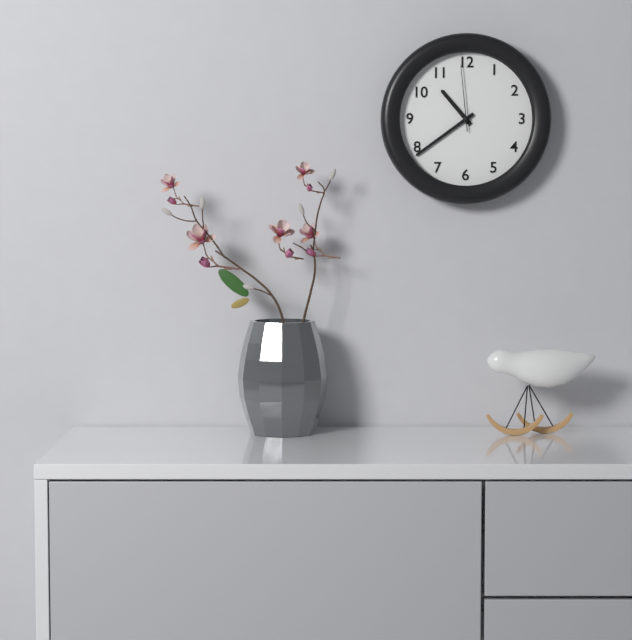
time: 10:39:59
